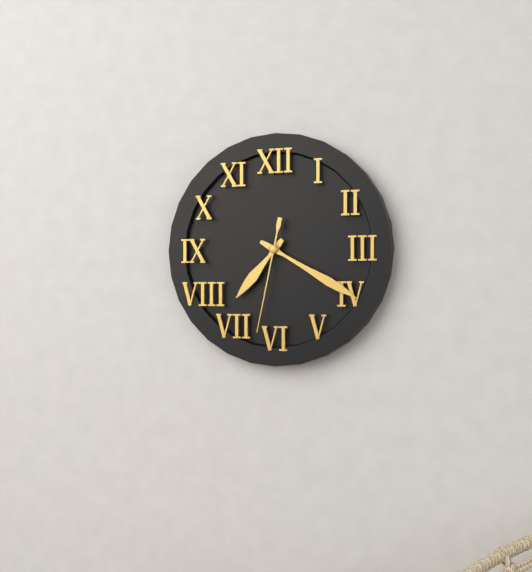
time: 7:20:32
